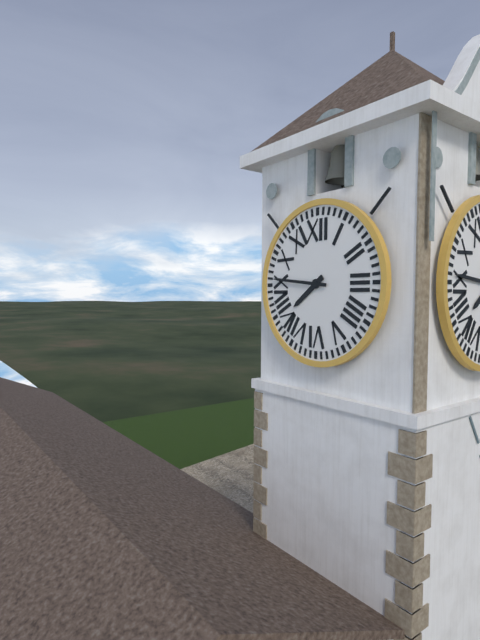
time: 7:46
